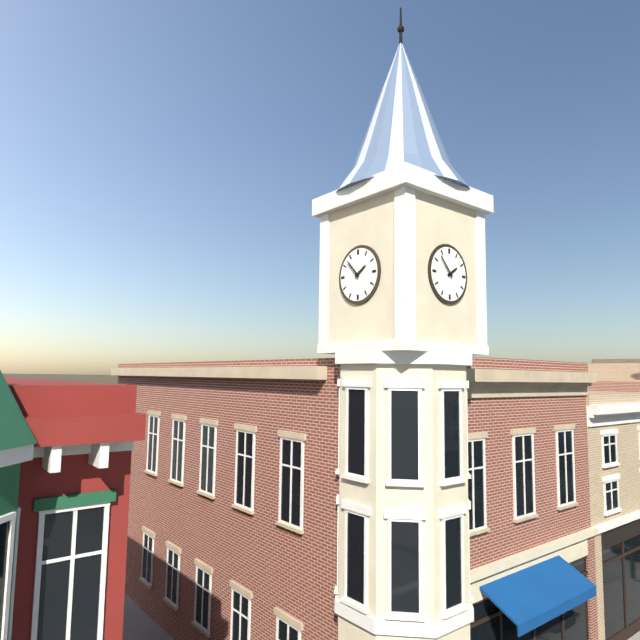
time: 1:53
